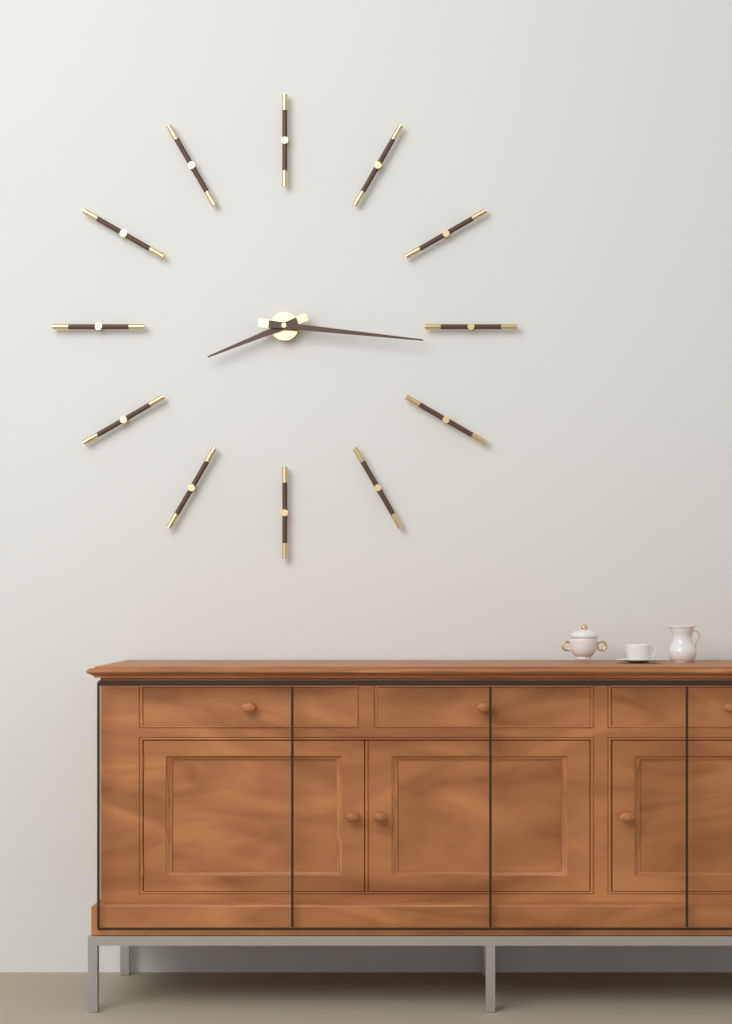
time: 8:16
